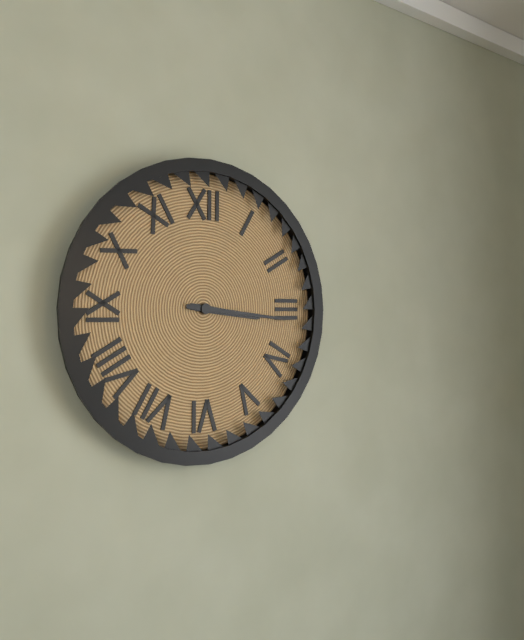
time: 3:16
